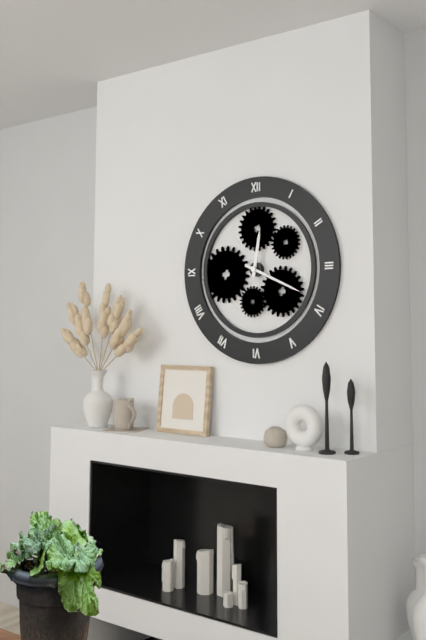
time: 12:19
